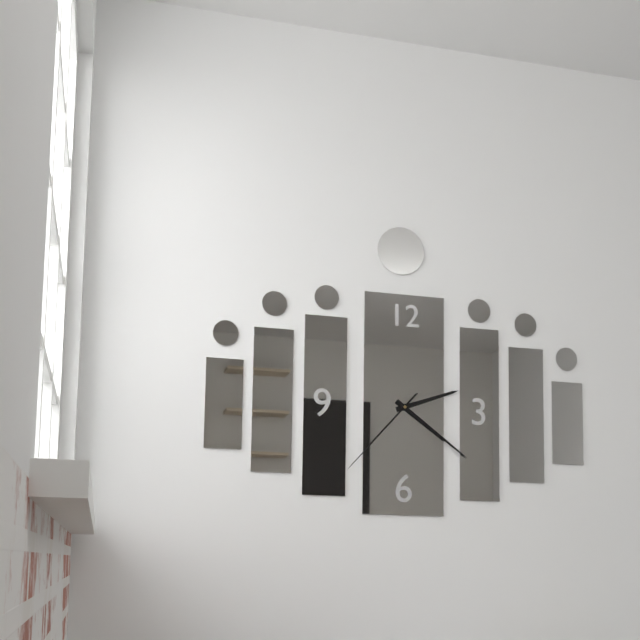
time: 2:21:37
